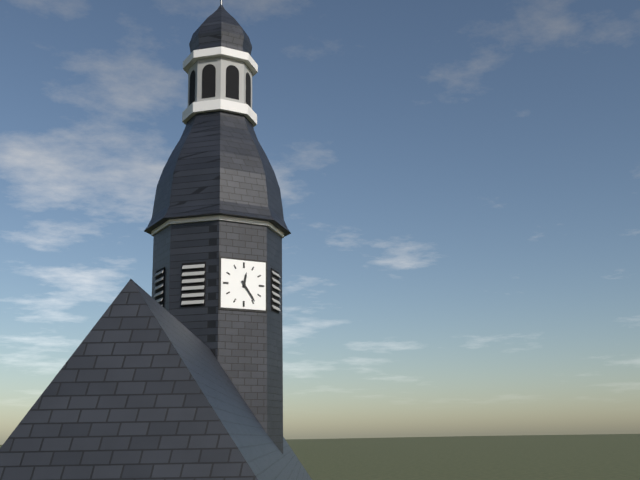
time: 12:24
